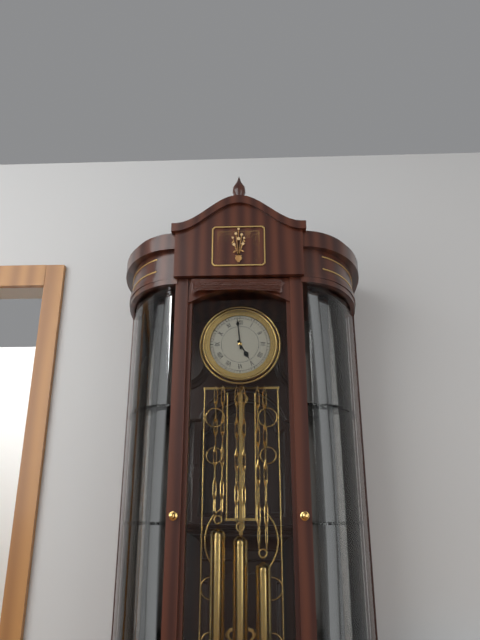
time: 4:59
